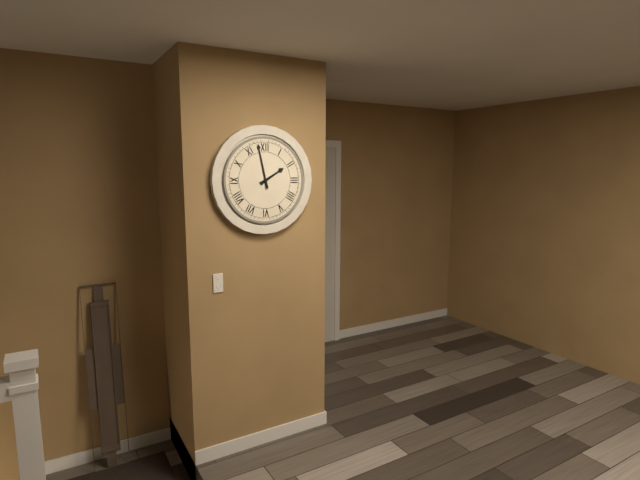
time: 1:58
